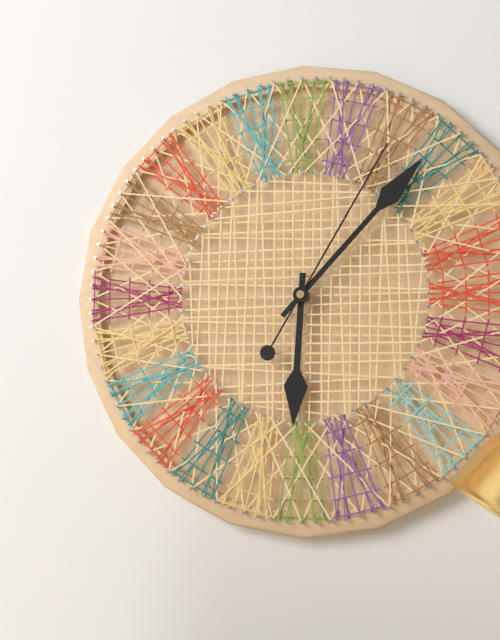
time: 6:07:05
